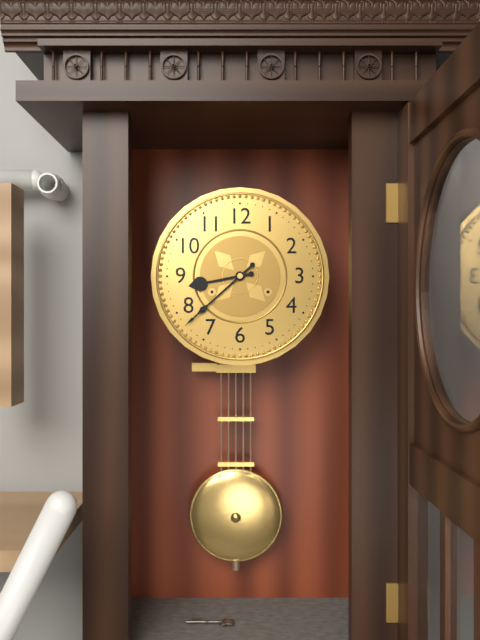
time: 8:38
